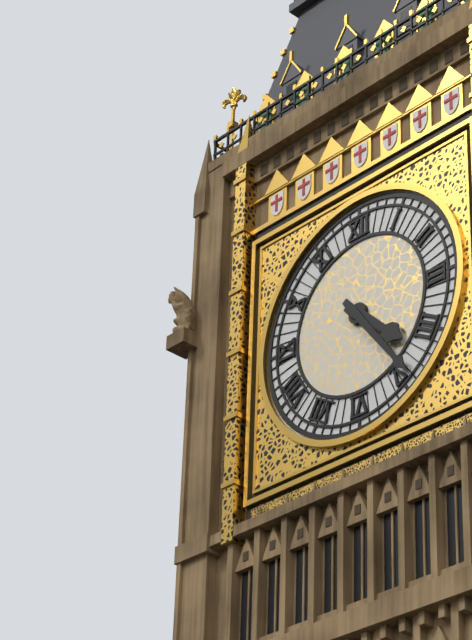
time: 4:24
